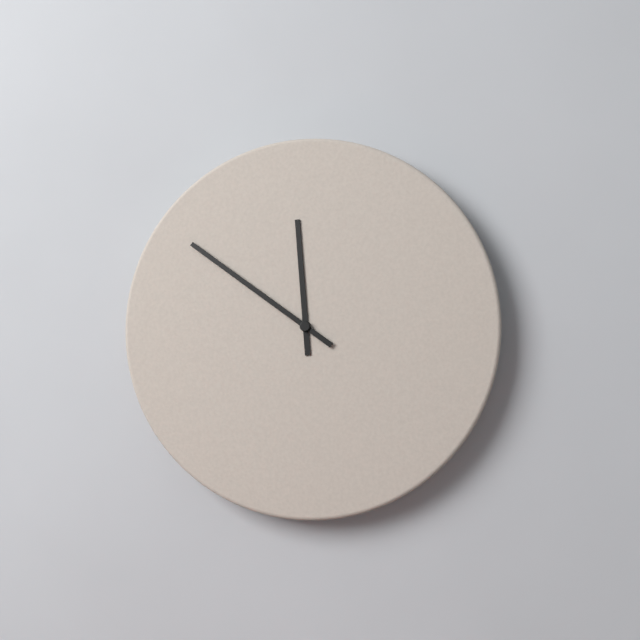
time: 11:51
